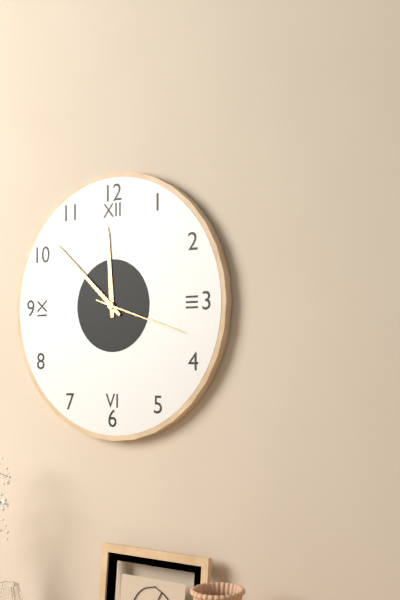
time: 11:52:18
